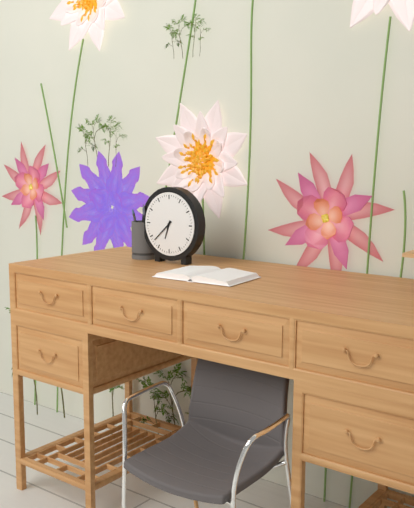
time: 6:38
